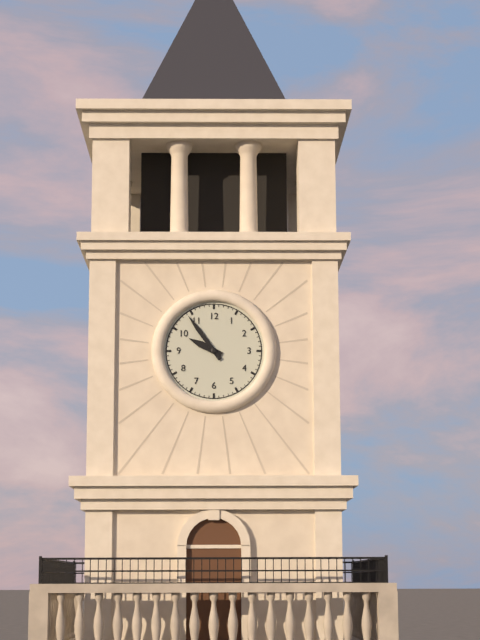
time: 9:54
